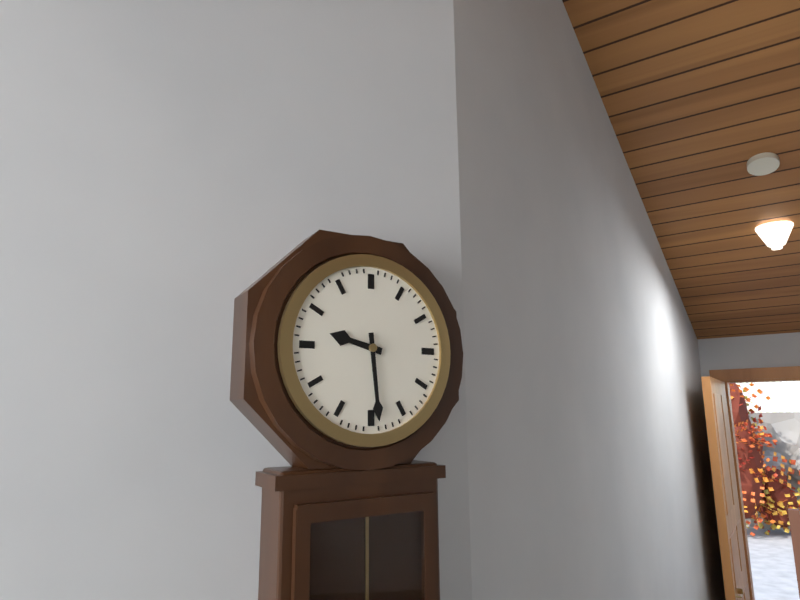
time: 9:29
